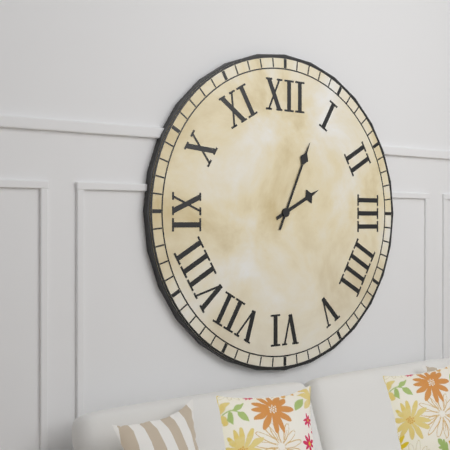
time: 2:04
